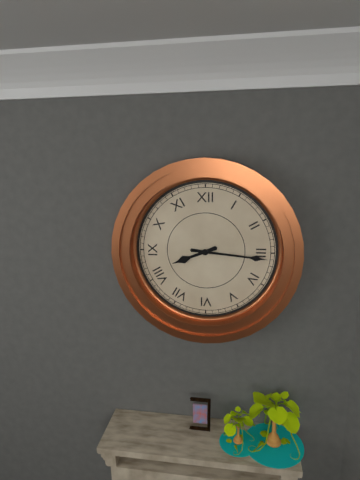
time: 8:16
